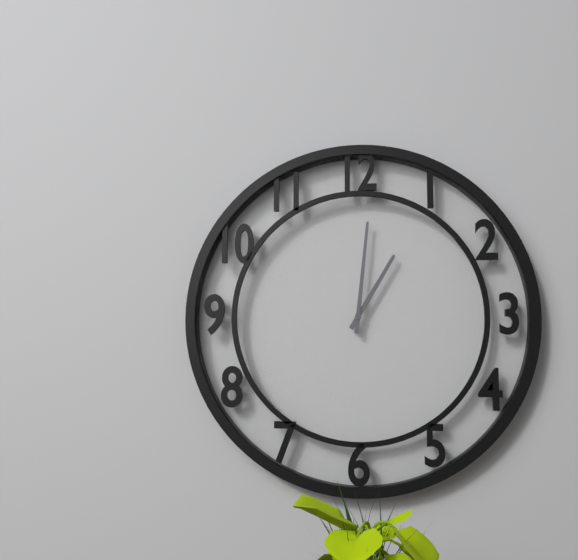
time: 1:01
